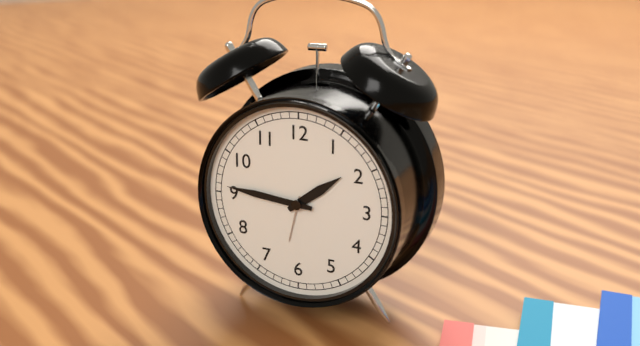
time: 1:46
